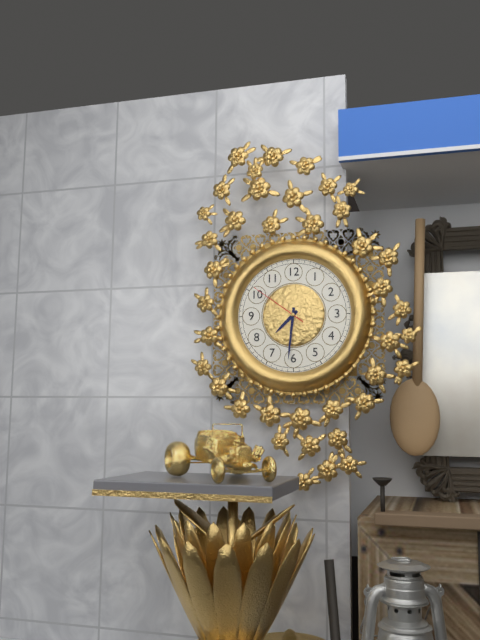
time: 7:31:51
